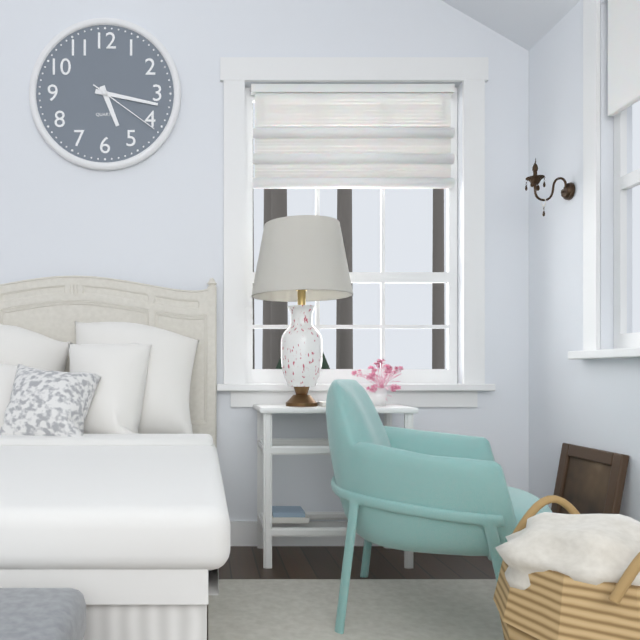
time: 5:17:21
